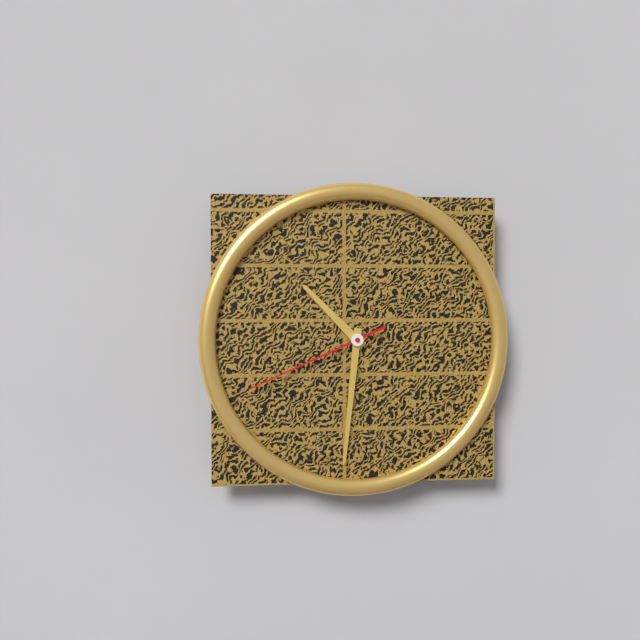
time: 10:31:41
